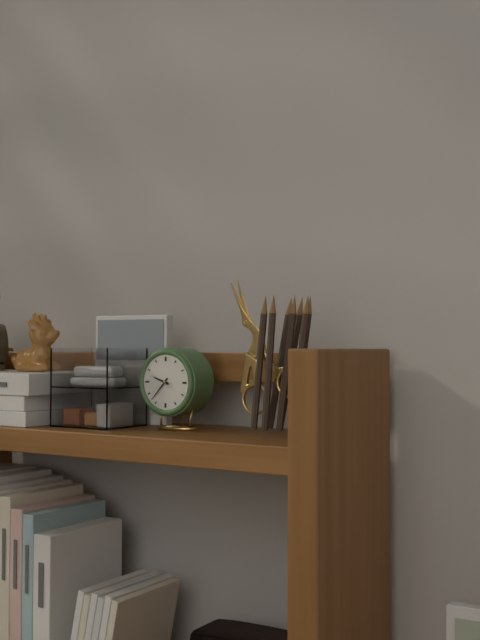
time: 9:37
